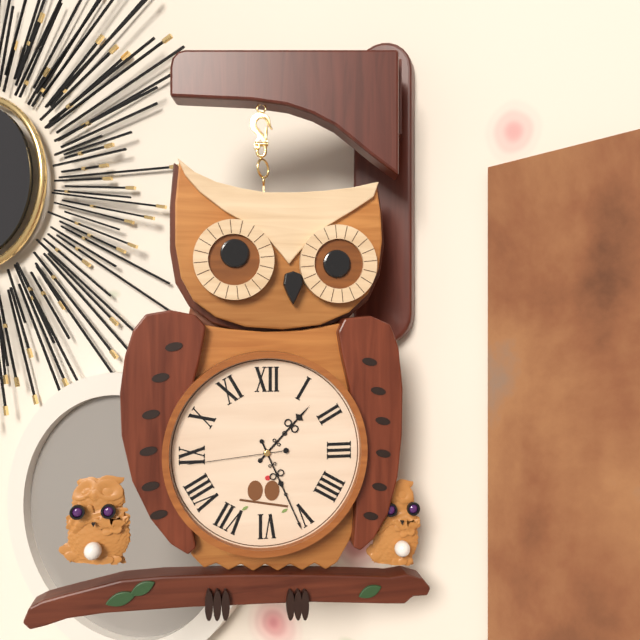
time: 1:26:44
